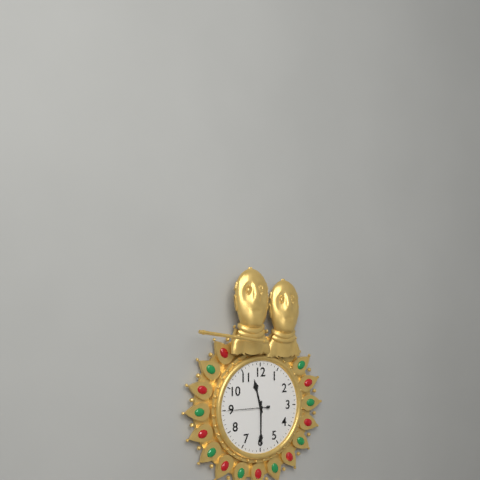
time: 11:30
